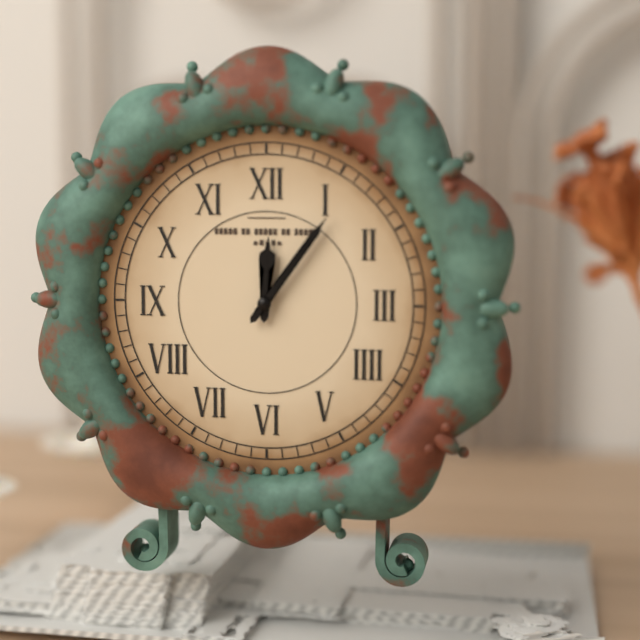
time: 12:06
